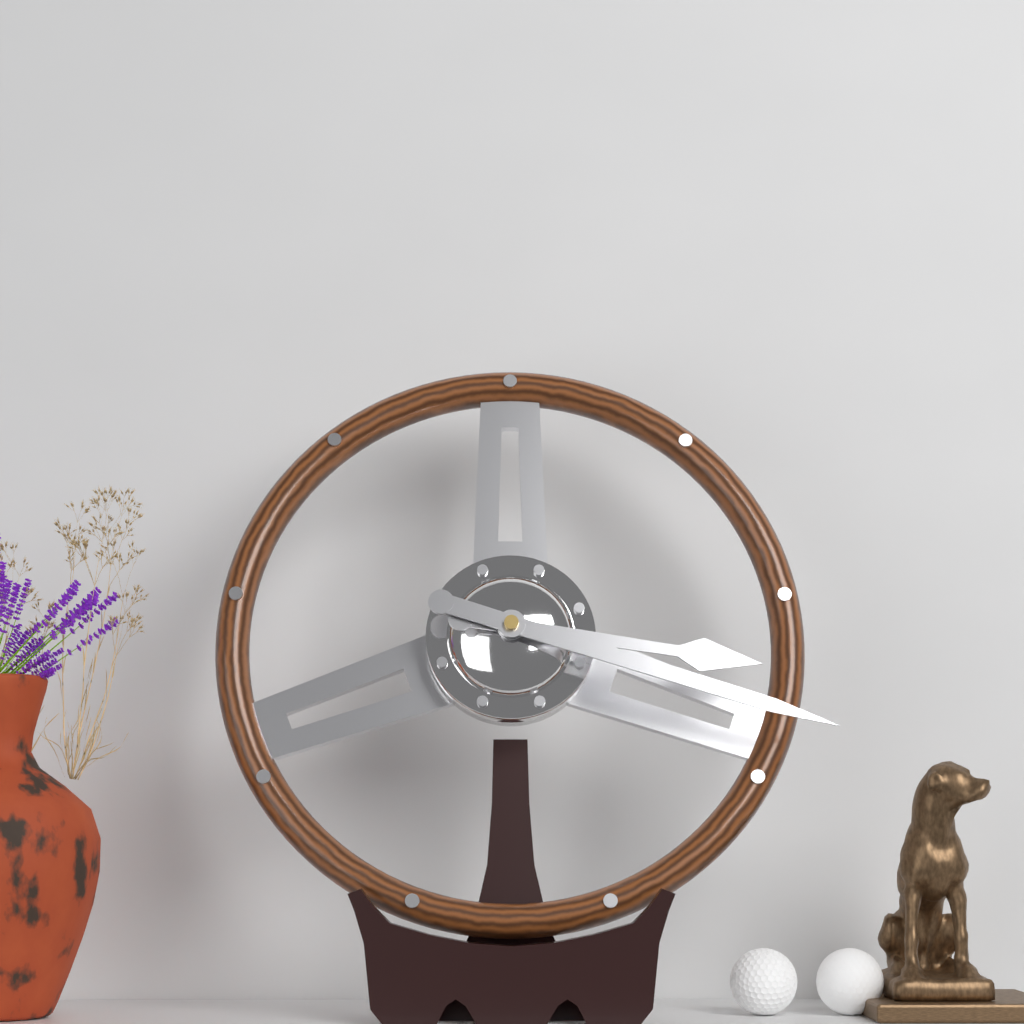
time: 3:18
